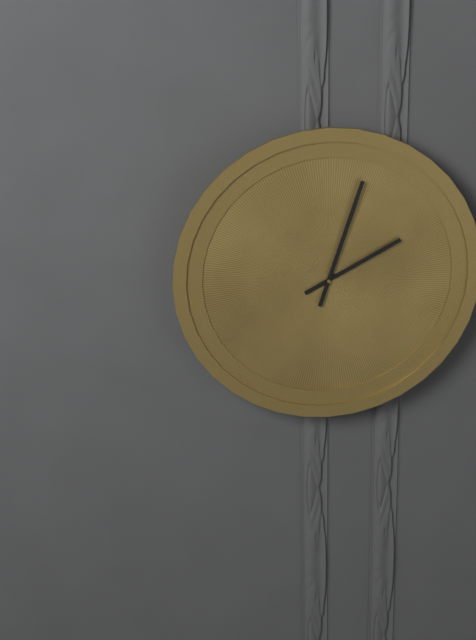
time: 2:03
